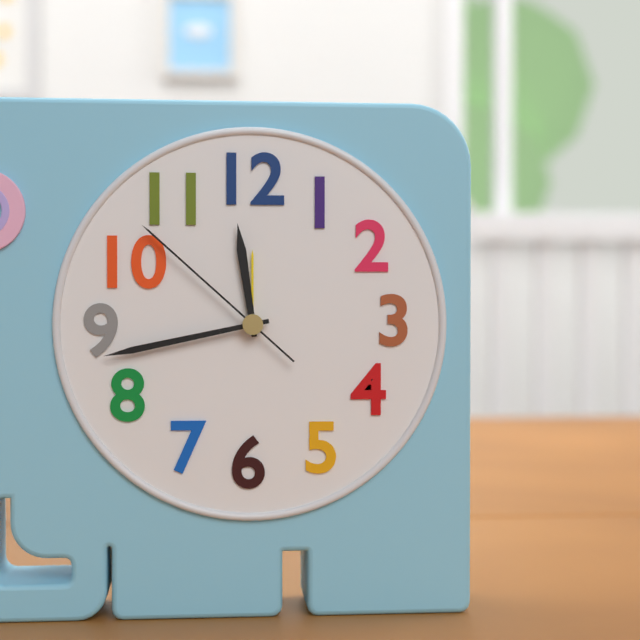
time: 11:43:52
